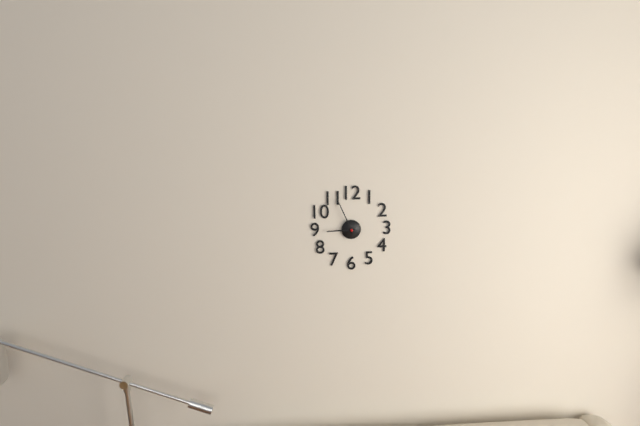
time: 8:56
